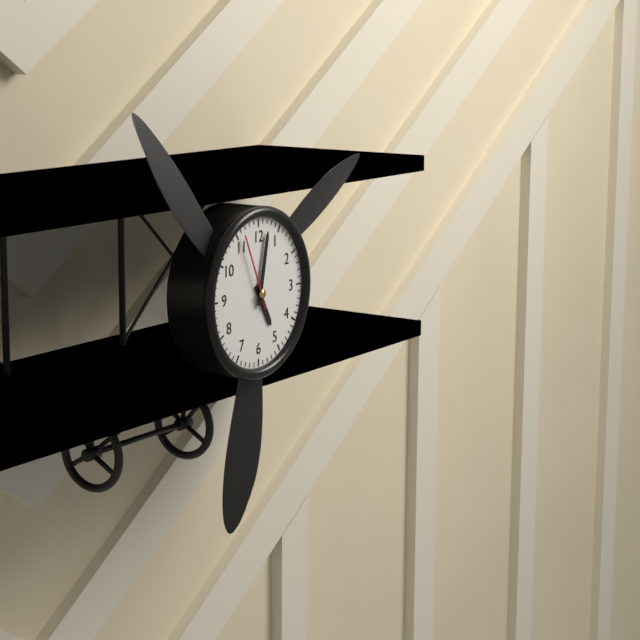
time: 5:02:56
